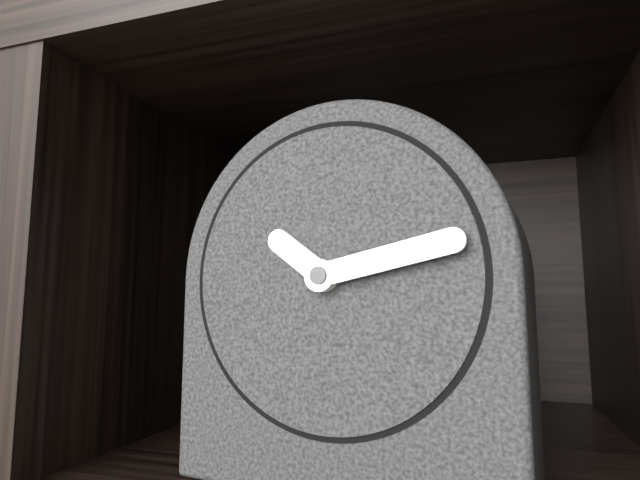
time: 10:13
